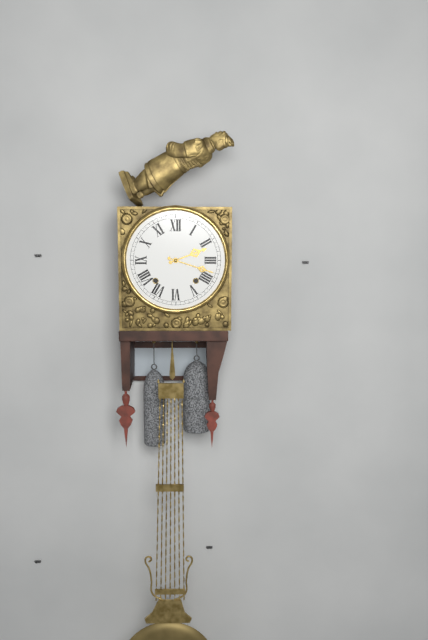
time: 2:18
